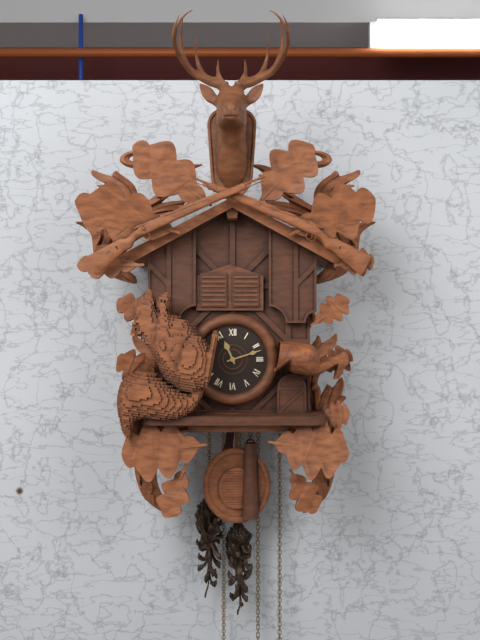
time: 11:12
